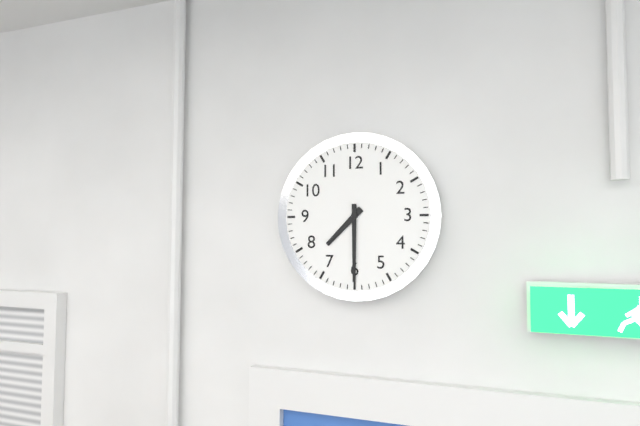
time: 7:30
